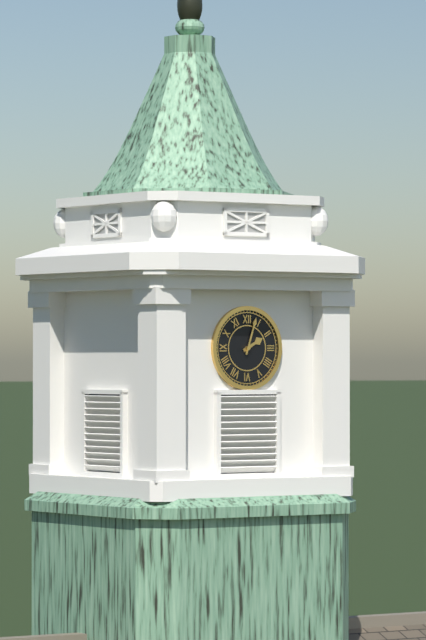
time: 2:03
